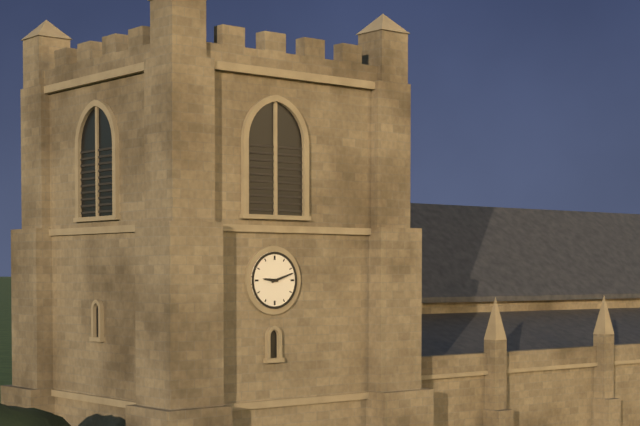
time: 9:12
